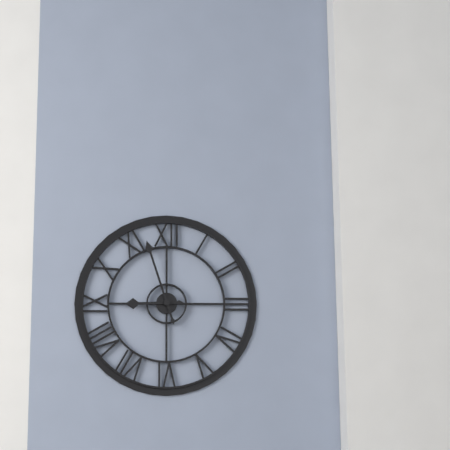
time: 8:57
